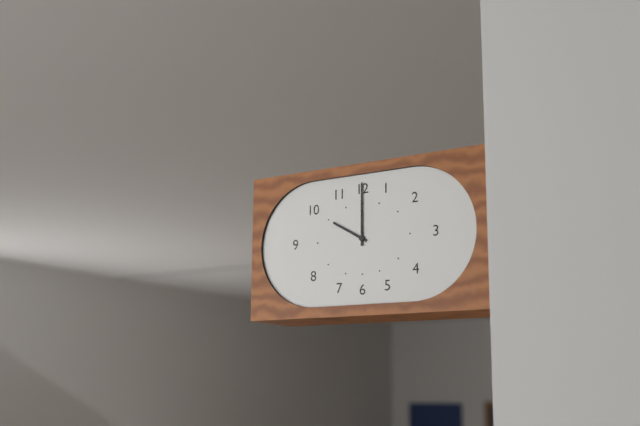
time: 10:00
